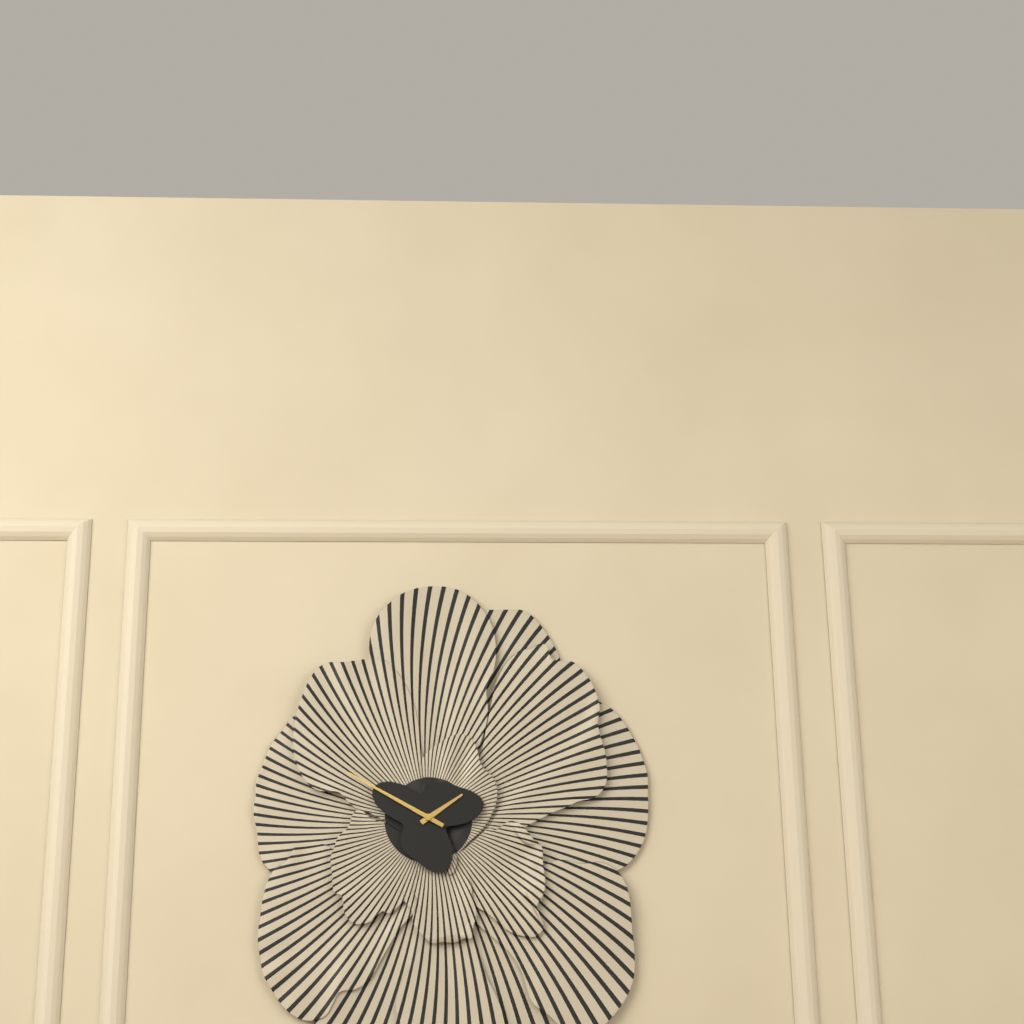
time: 1:50
